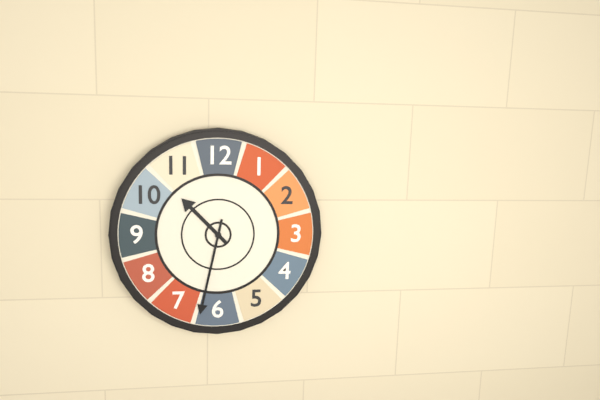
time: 10:32
